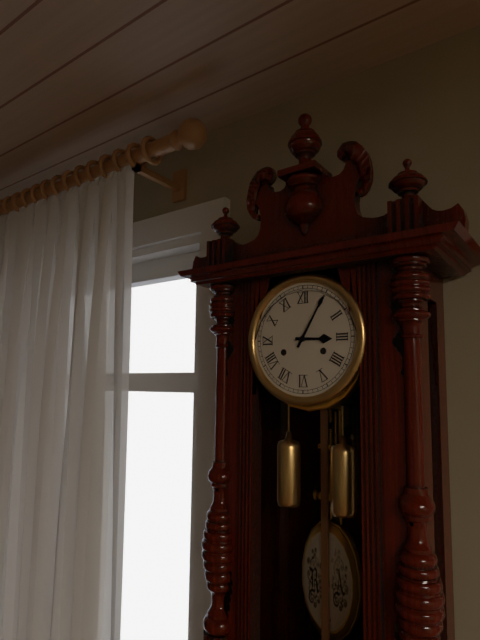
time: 3:05
